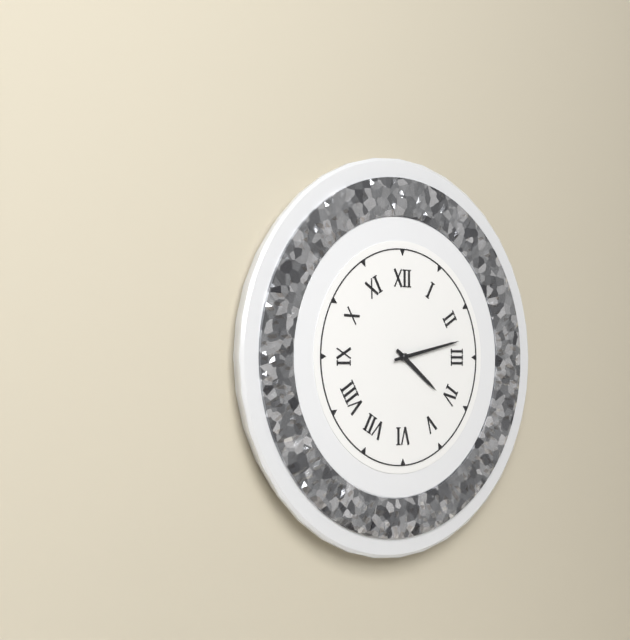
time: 4:13
